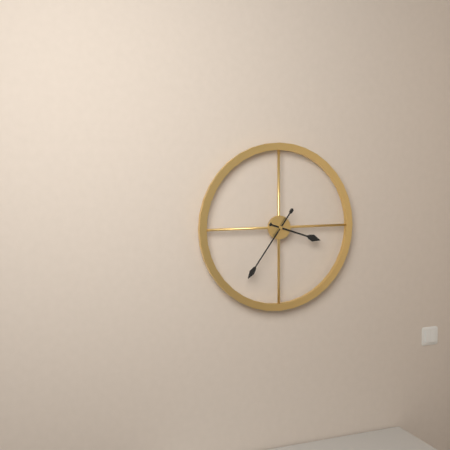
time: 3:36
